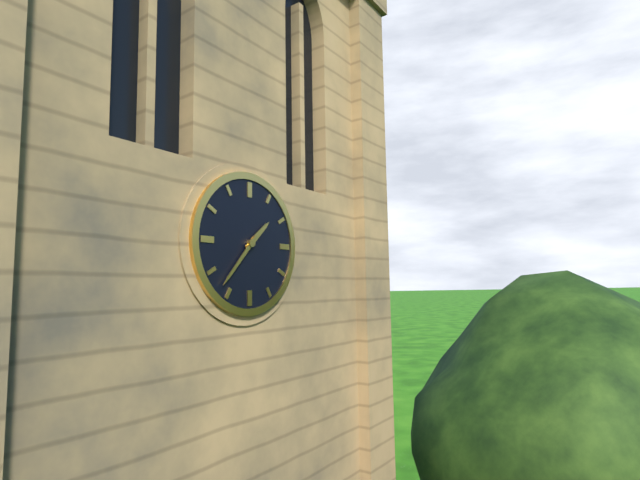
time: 1:37
